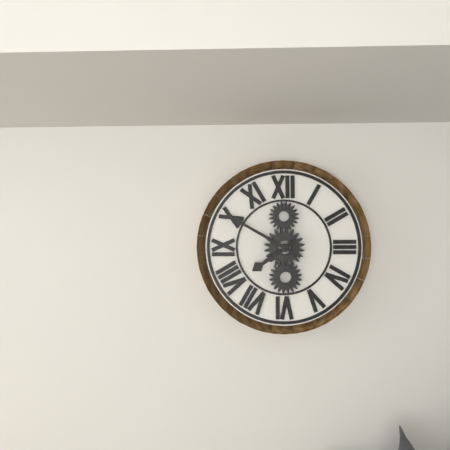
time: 7:50
